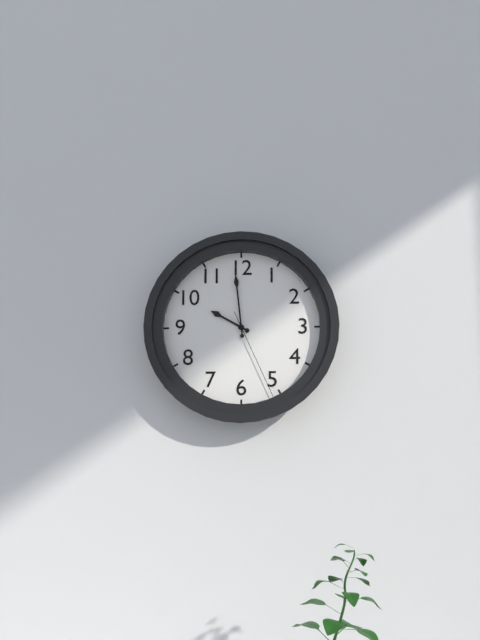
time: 9:59:26
